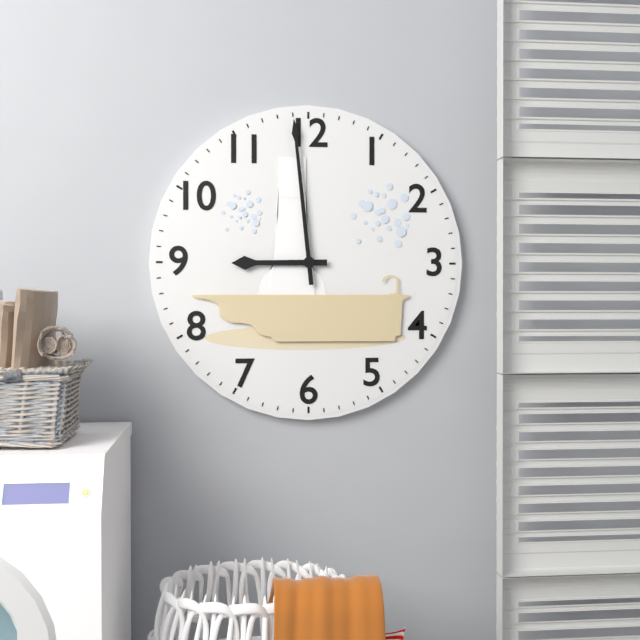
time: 8:59
